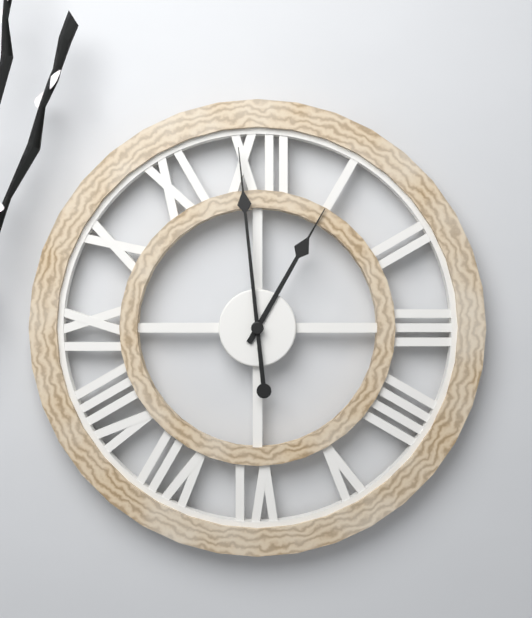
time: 12:59
